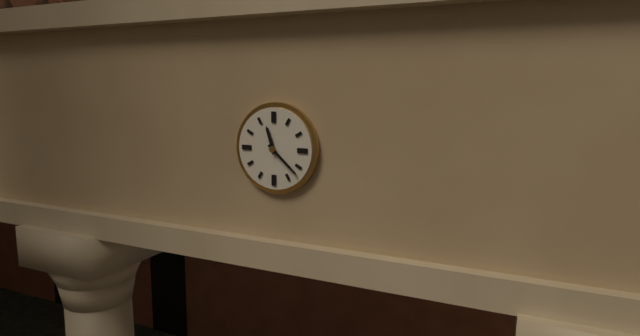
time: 11:22
